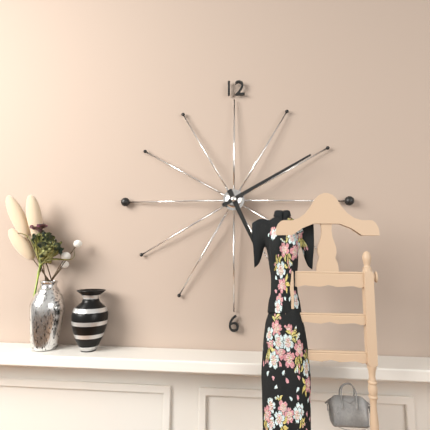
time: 5:10
